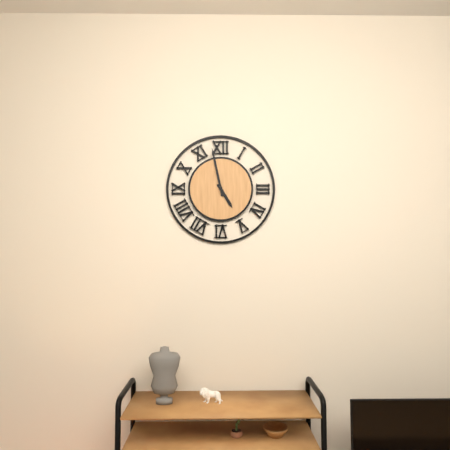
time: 4:58
